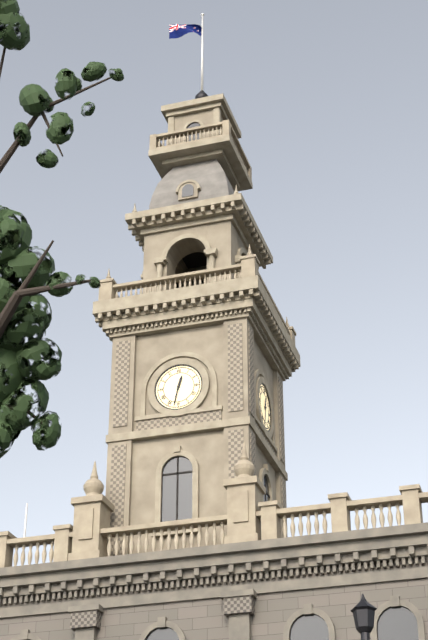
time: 12:32
